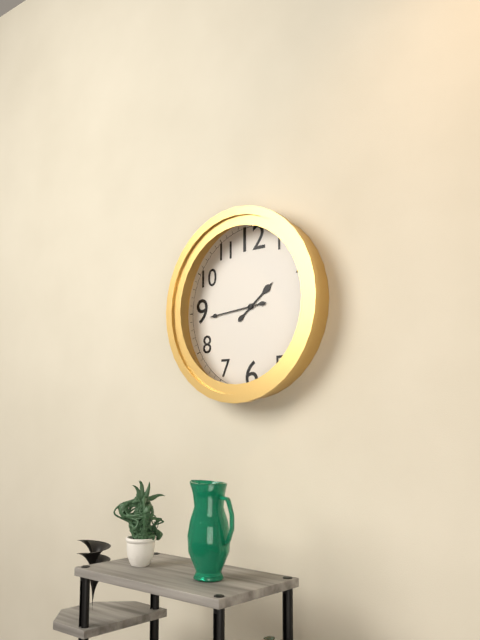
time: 1:44
